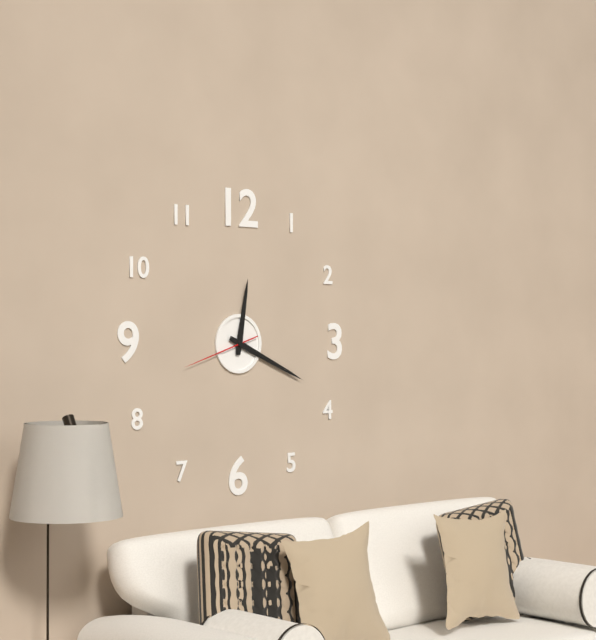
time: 12:19:42
